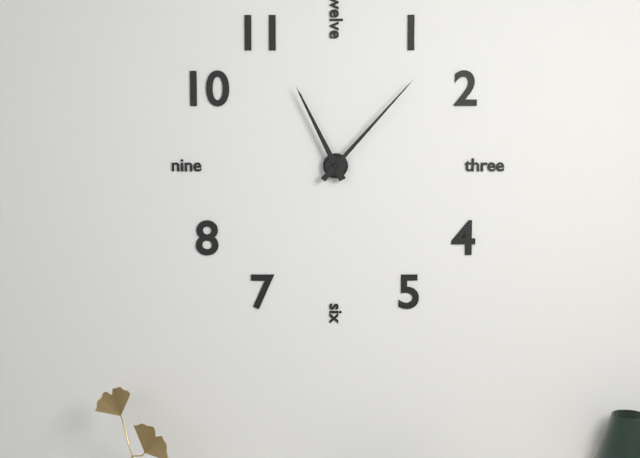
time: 11:07
